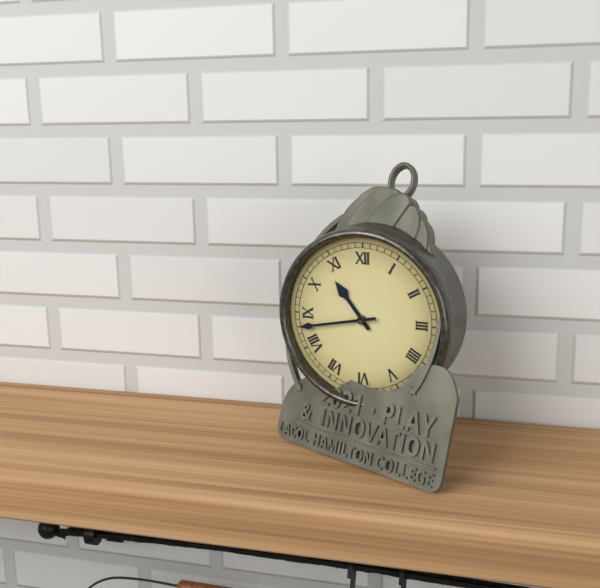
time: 10:43
